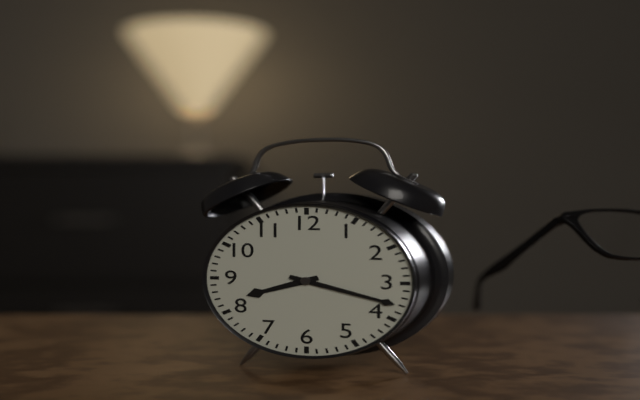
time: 8:18
